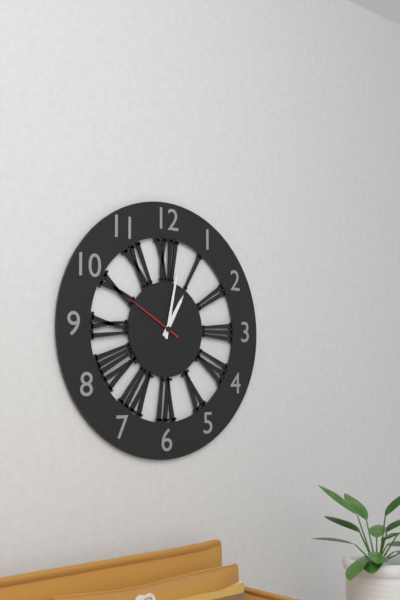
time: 1:02:50
